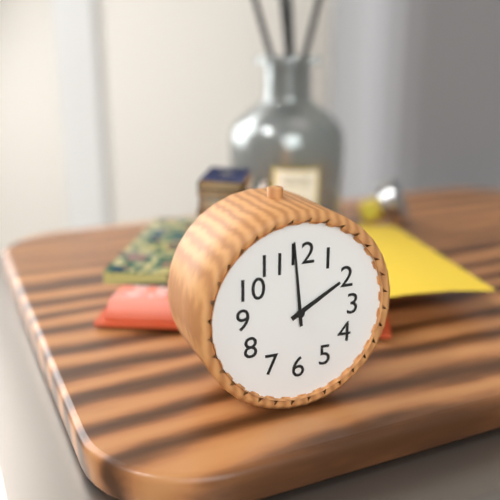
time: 1:59
